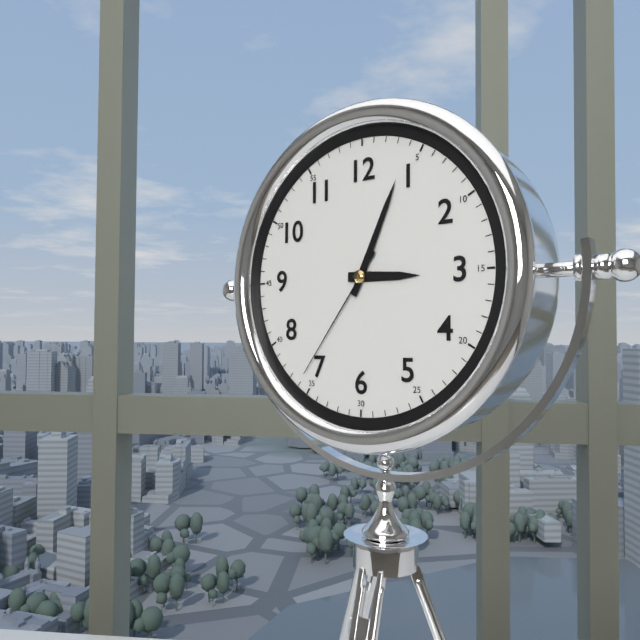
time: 3:04:36
